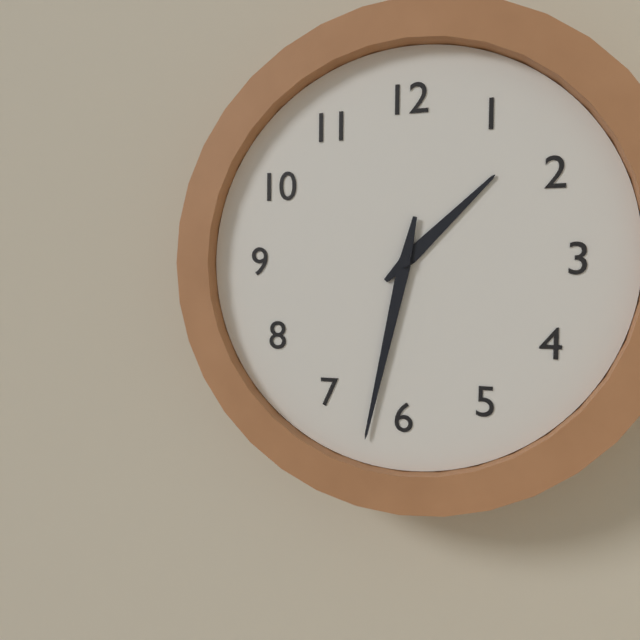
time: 1:32
